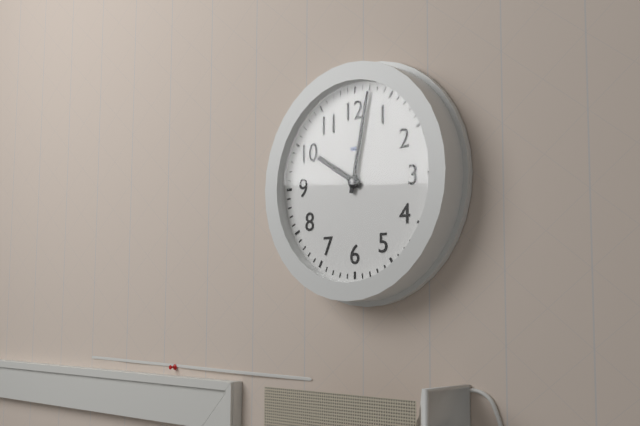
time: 10:02
